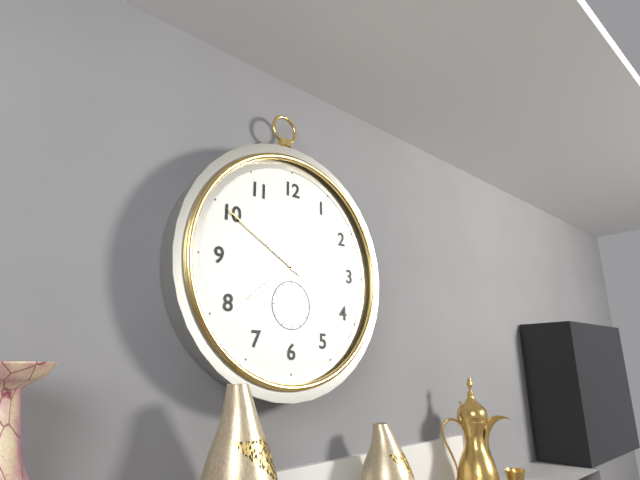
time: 7:50
